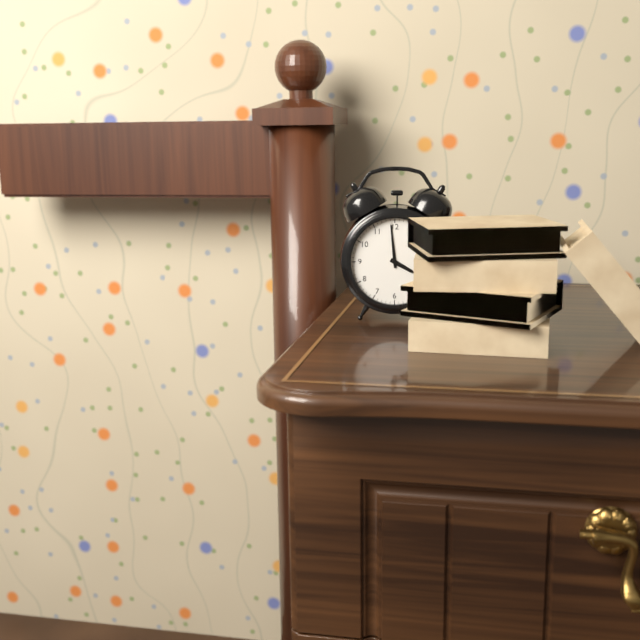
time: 3:59
